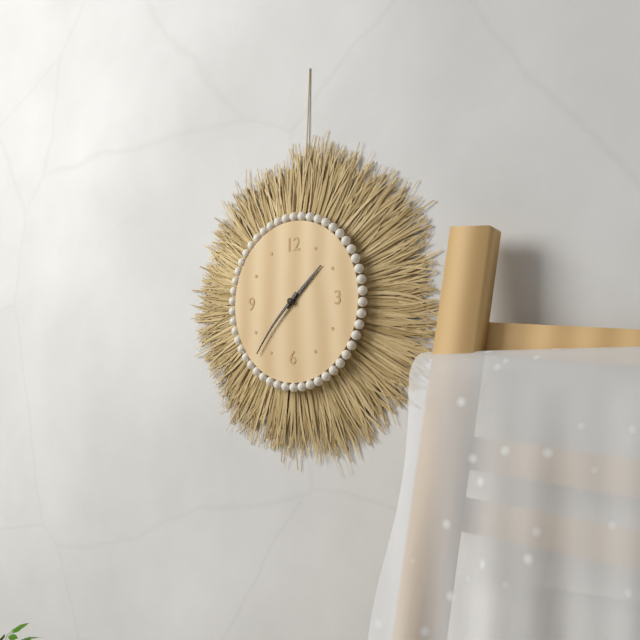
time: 1:37
